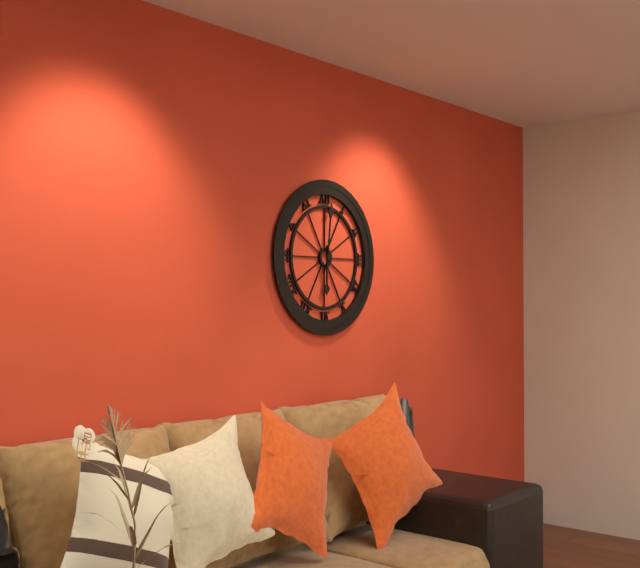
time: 6:01
